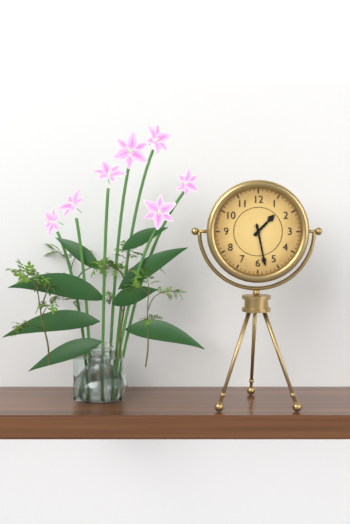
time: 1:28
